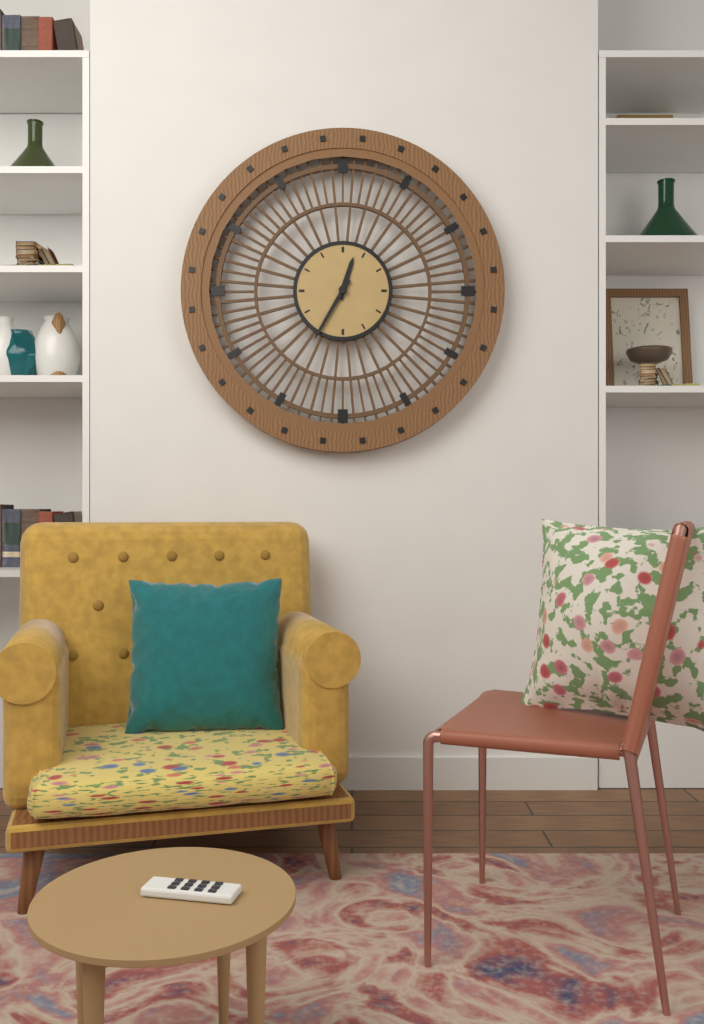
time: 12:35
